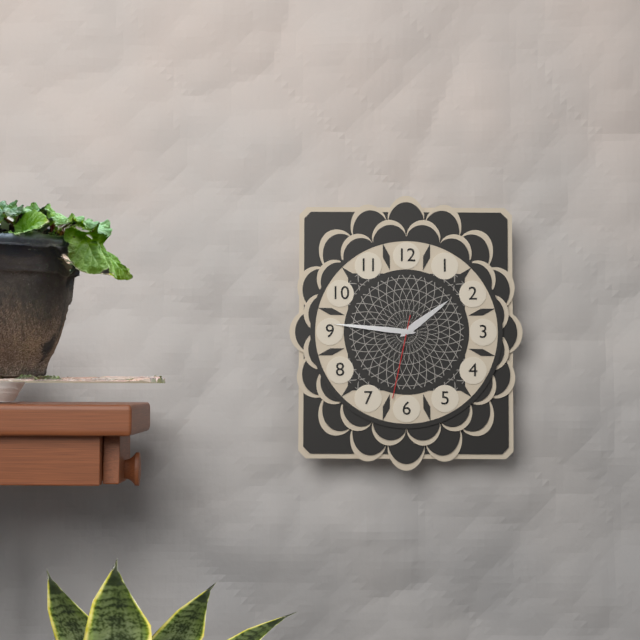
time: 1:46:32
